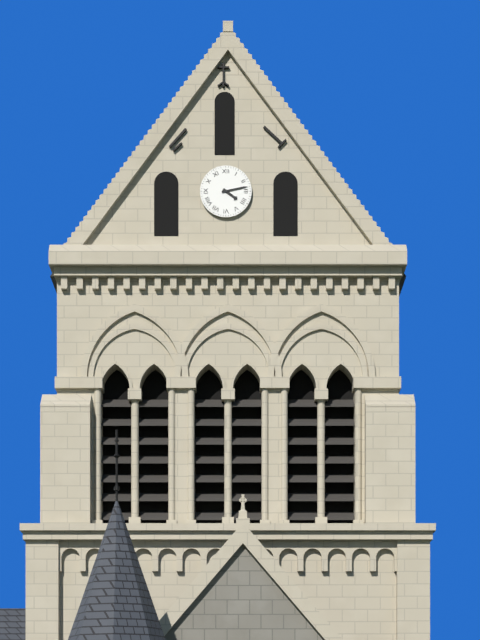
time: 4:13
